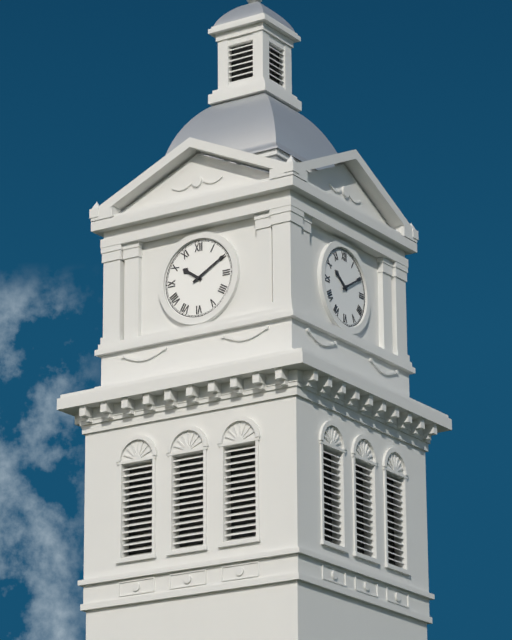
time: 10:10
